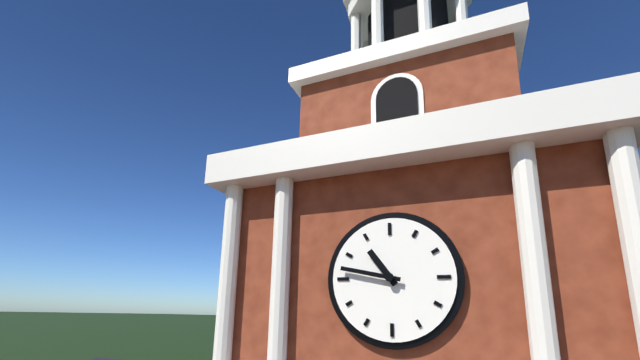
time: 10:47
